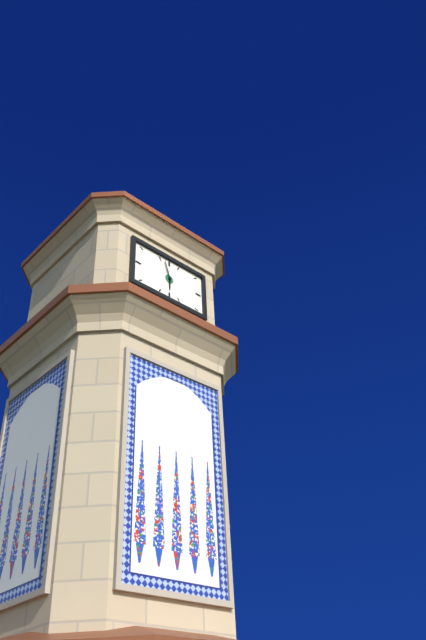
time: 5:57
